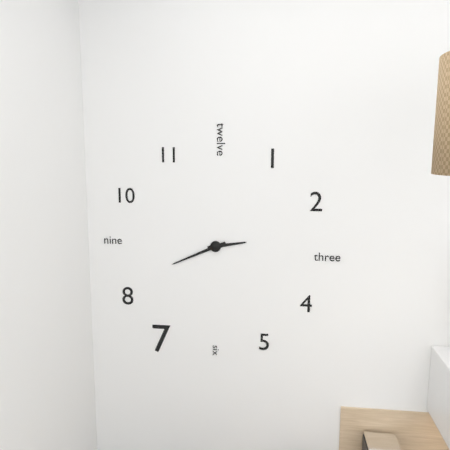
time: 2:41
